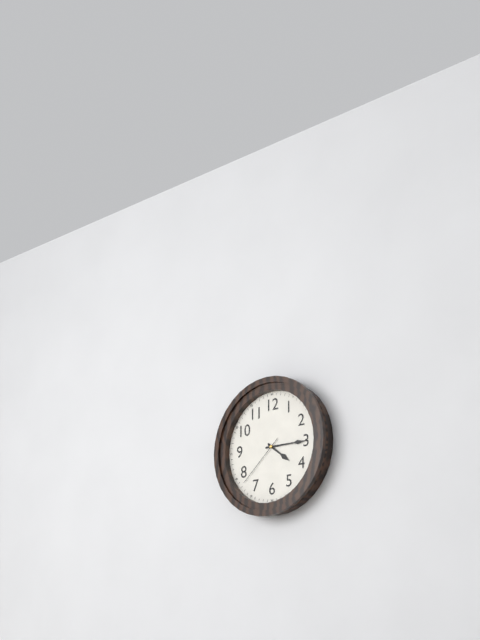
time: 4:15:38
